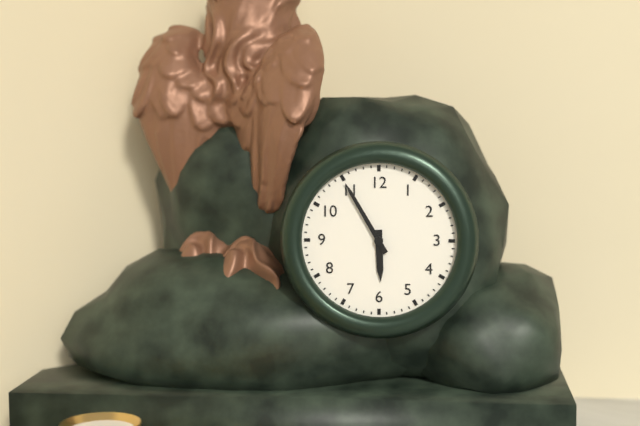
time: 5:55
